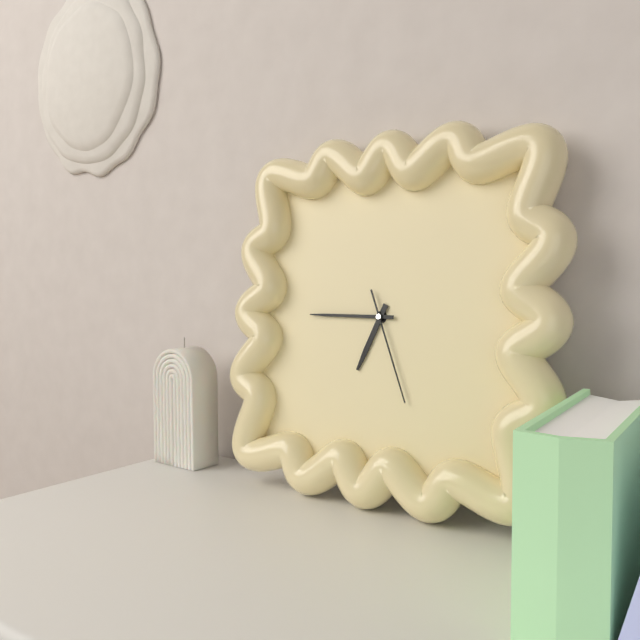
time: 6:45:26
